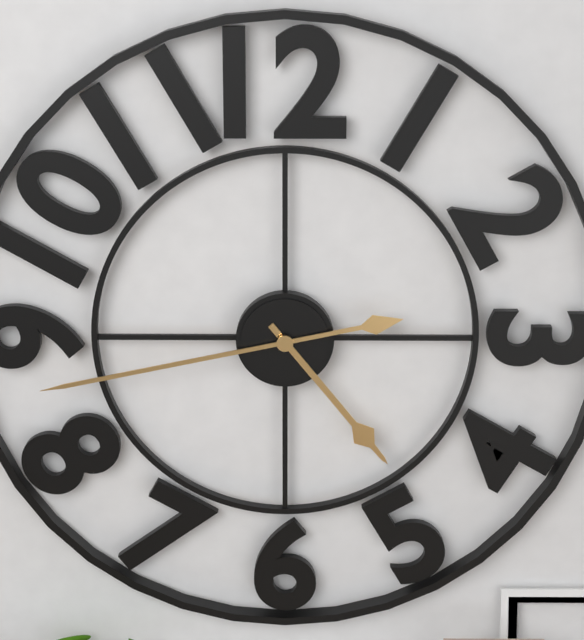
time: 4:43
